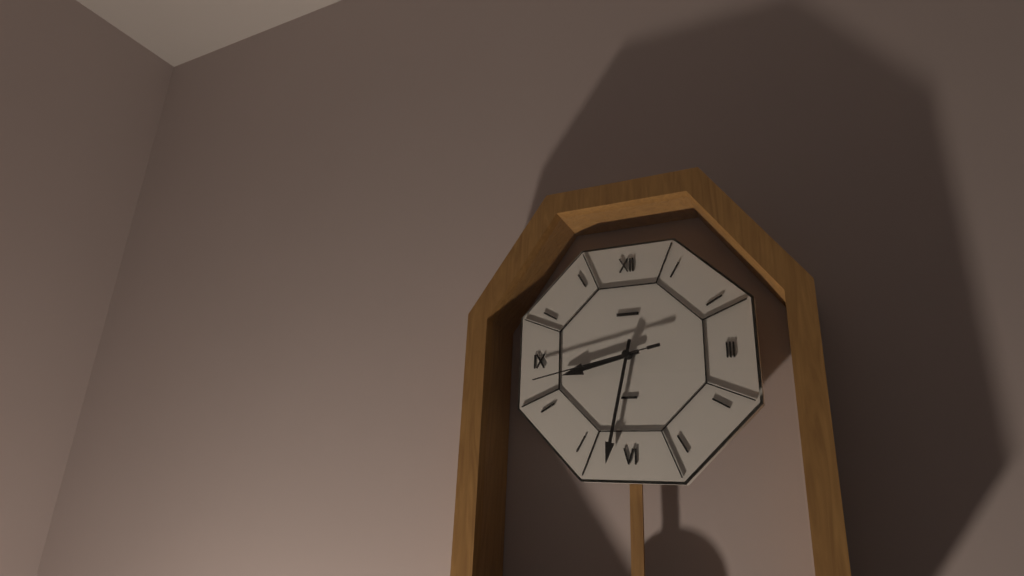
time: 8:32:43
